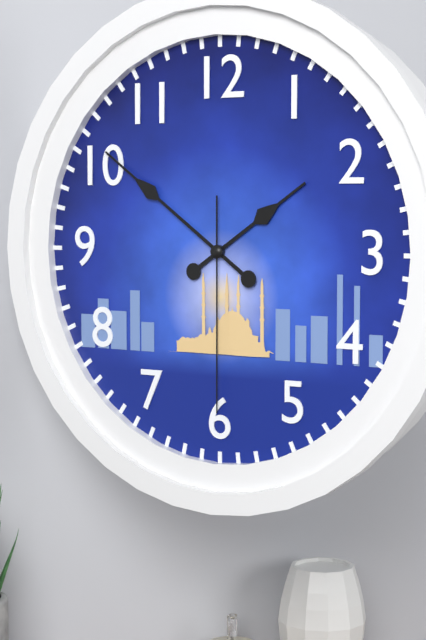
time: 1:51:30
